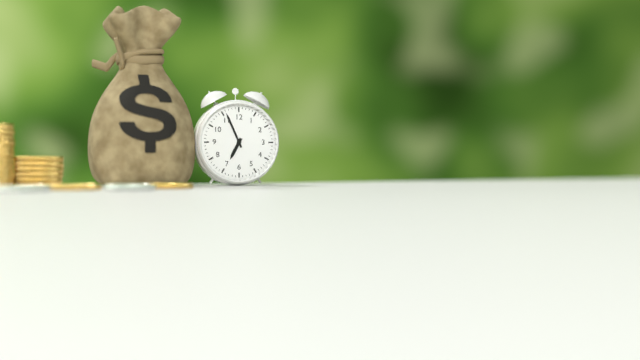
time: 6:56
